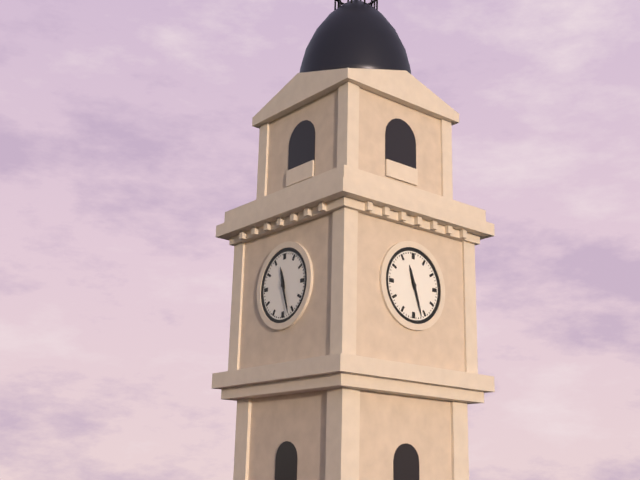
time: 11:27
